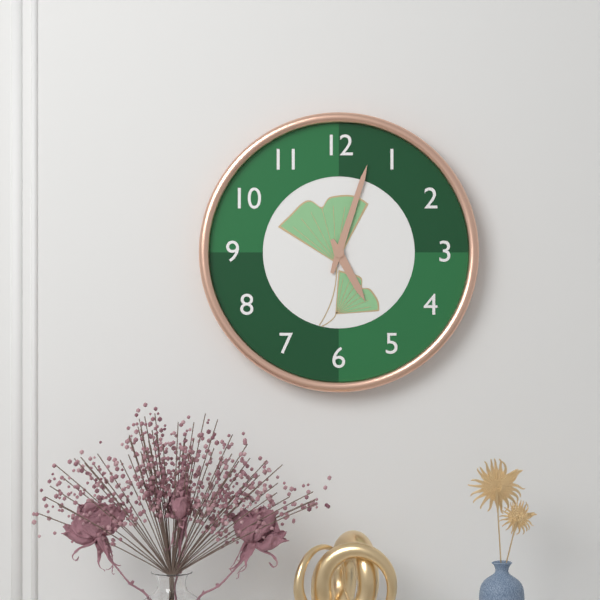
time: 5:03
